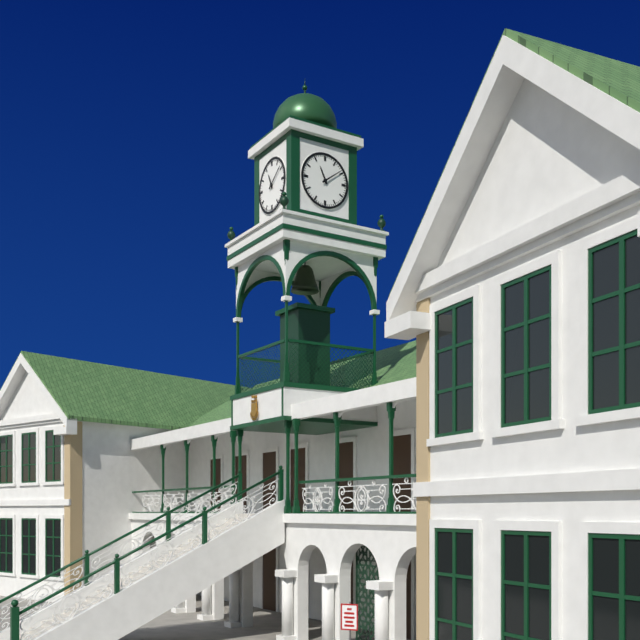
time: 11:09
